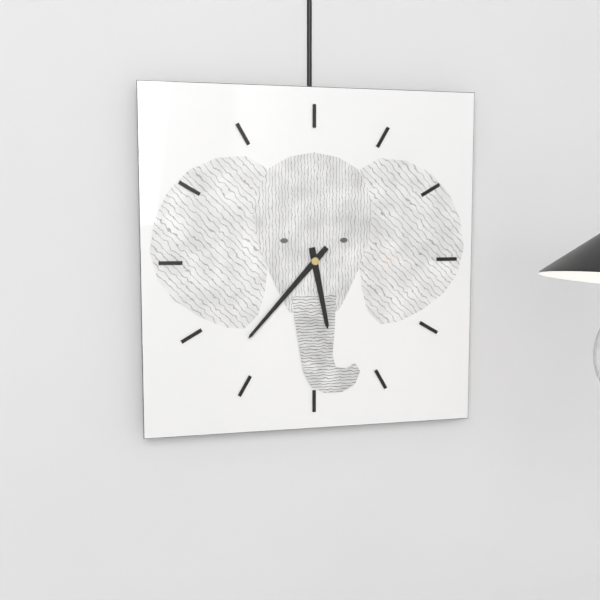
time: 5:37
